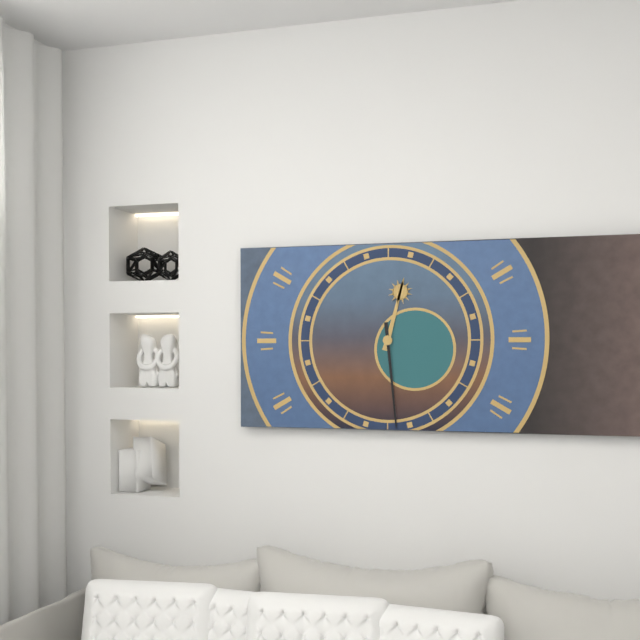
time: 12:29
